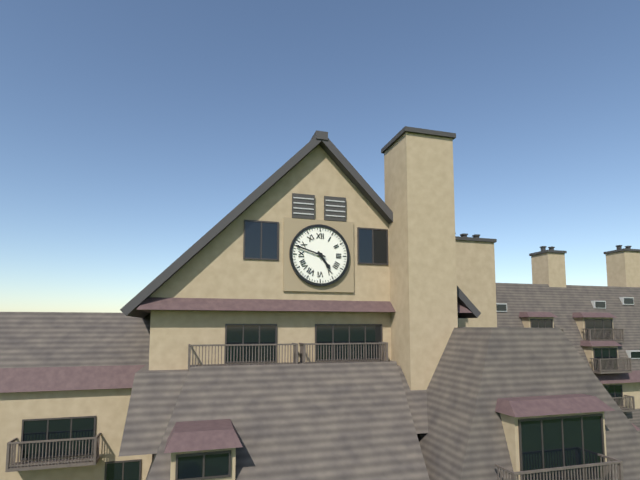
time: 4:48
